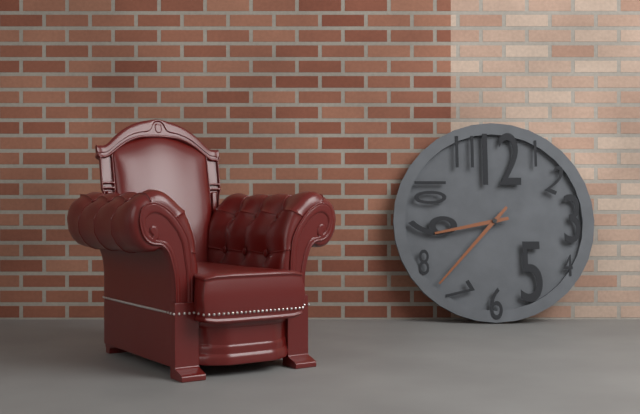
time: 8:37
